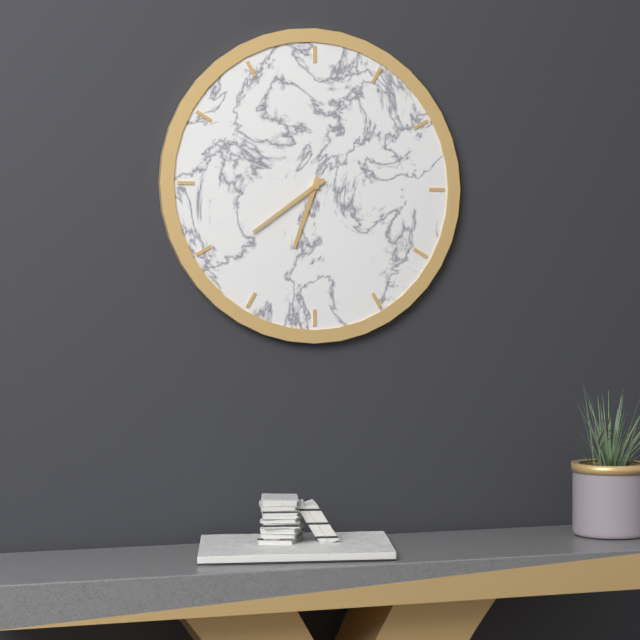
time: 6:39
